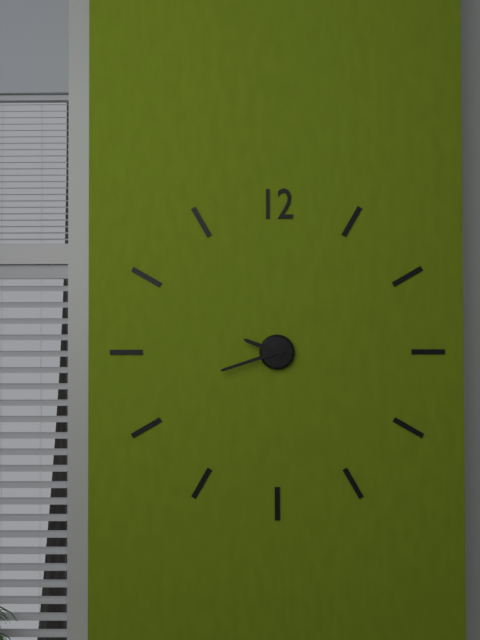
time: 9:42
